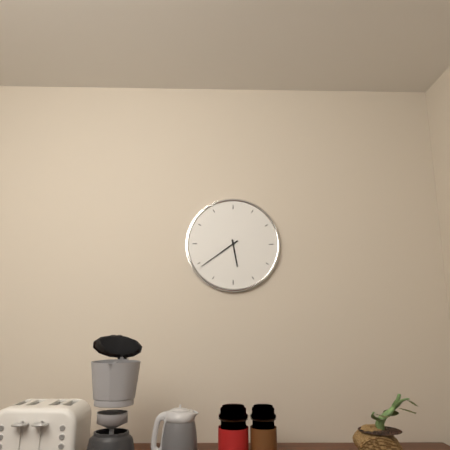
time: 5:39
